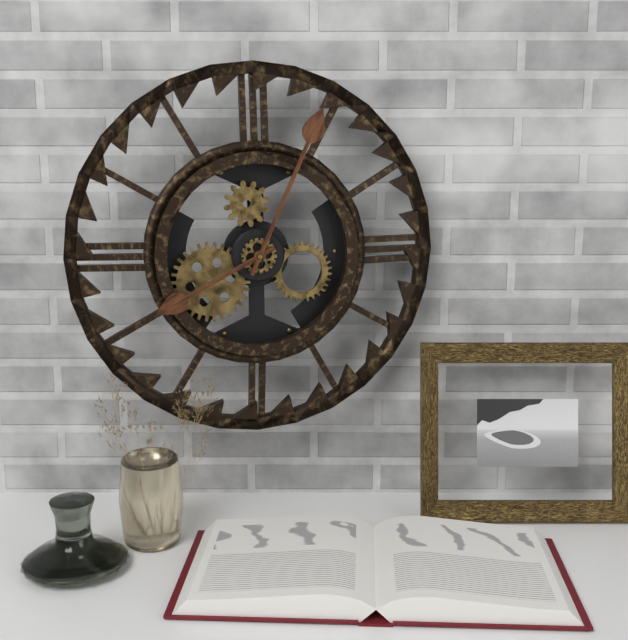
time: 8:04
